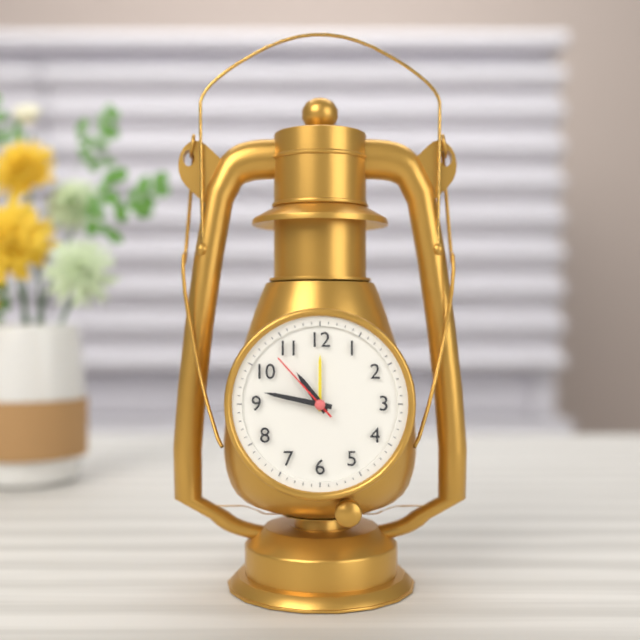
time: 10:47:53
